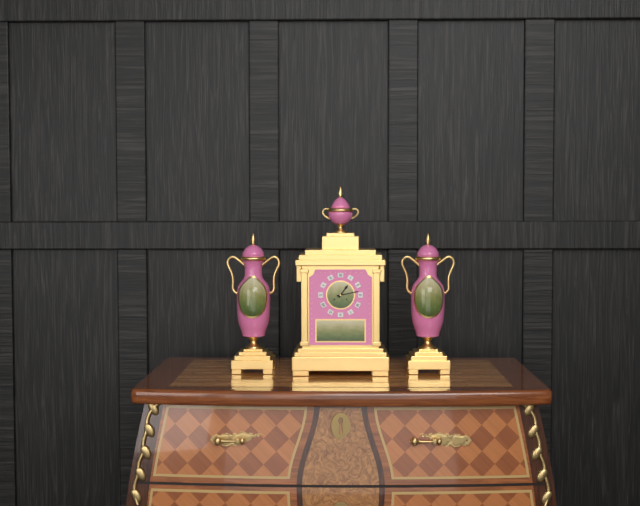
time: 1:13
